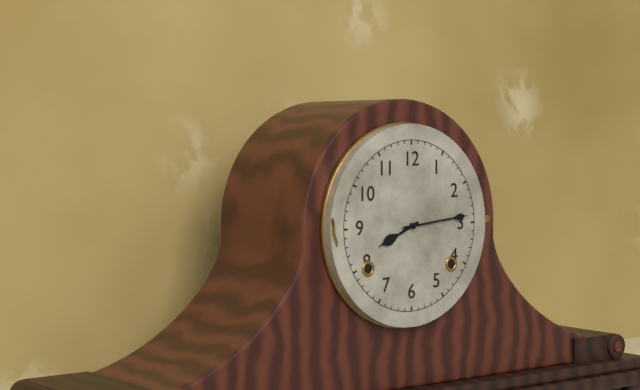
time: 8:14
